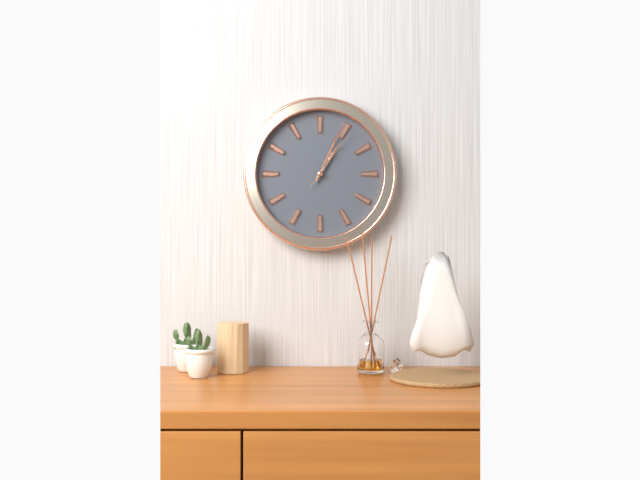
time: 1:04:06
